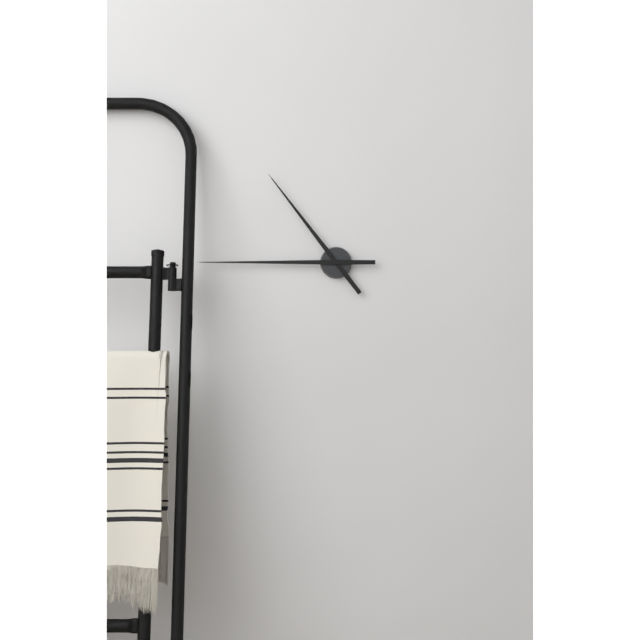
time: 10:45
